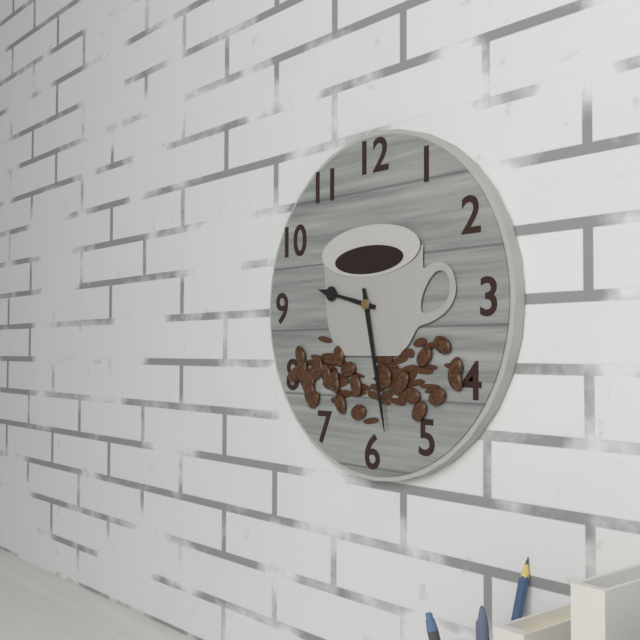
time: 9:28
